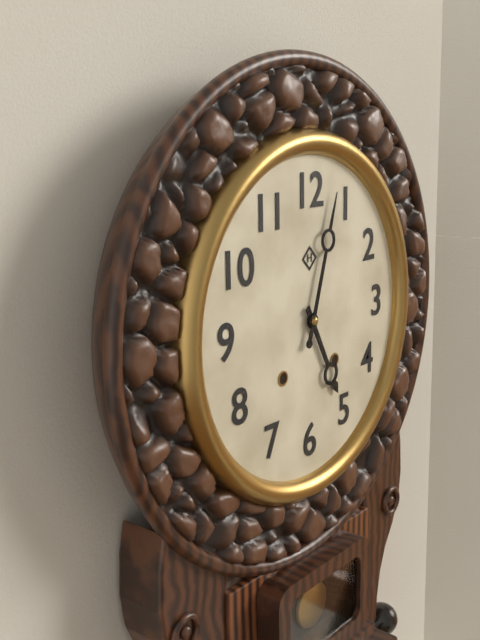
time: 5:03
